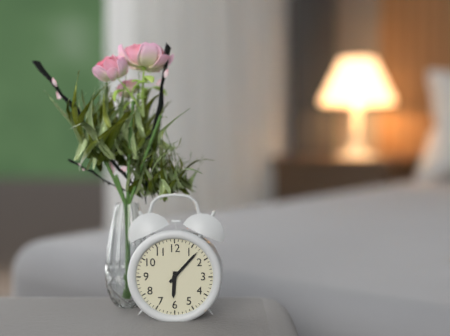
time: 6:07
